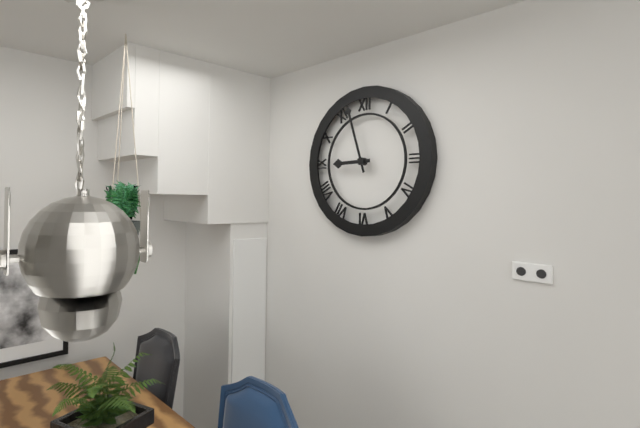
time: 8:57
